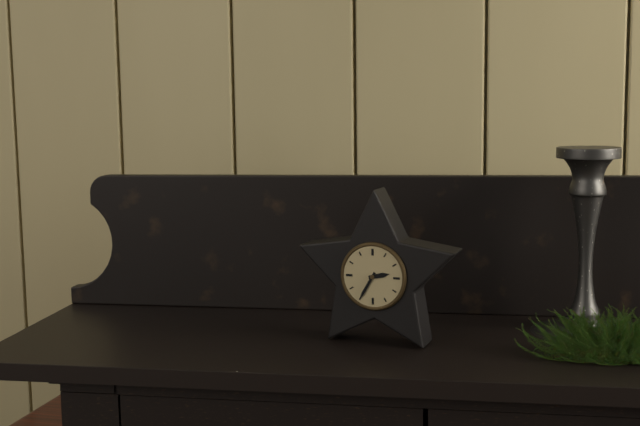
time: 2:35
